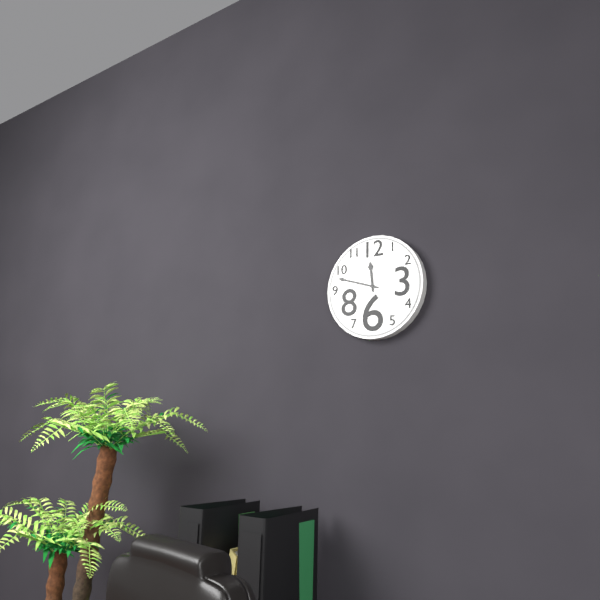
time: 11:48
